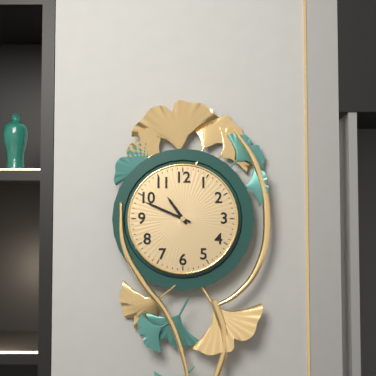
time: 10:49
